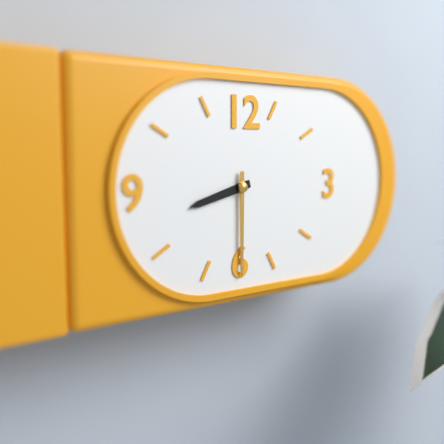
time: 8:30
